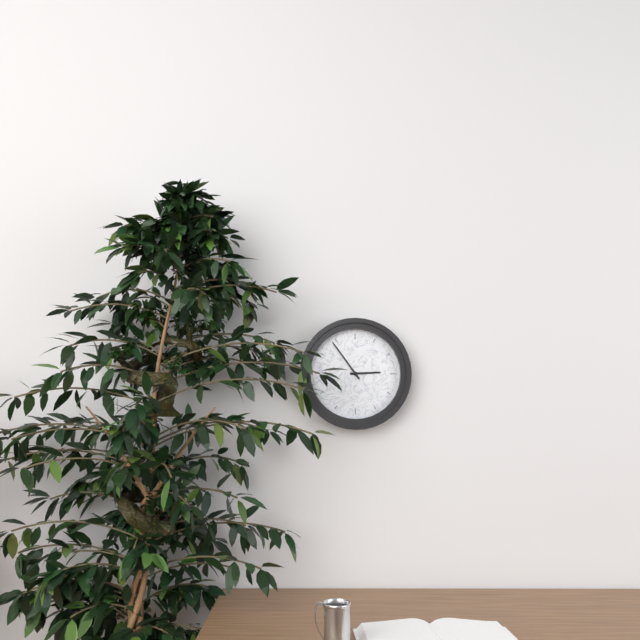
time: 2:54
